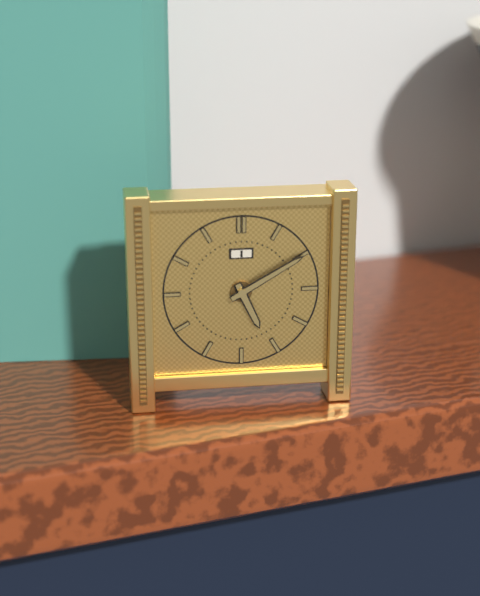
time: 5:10
